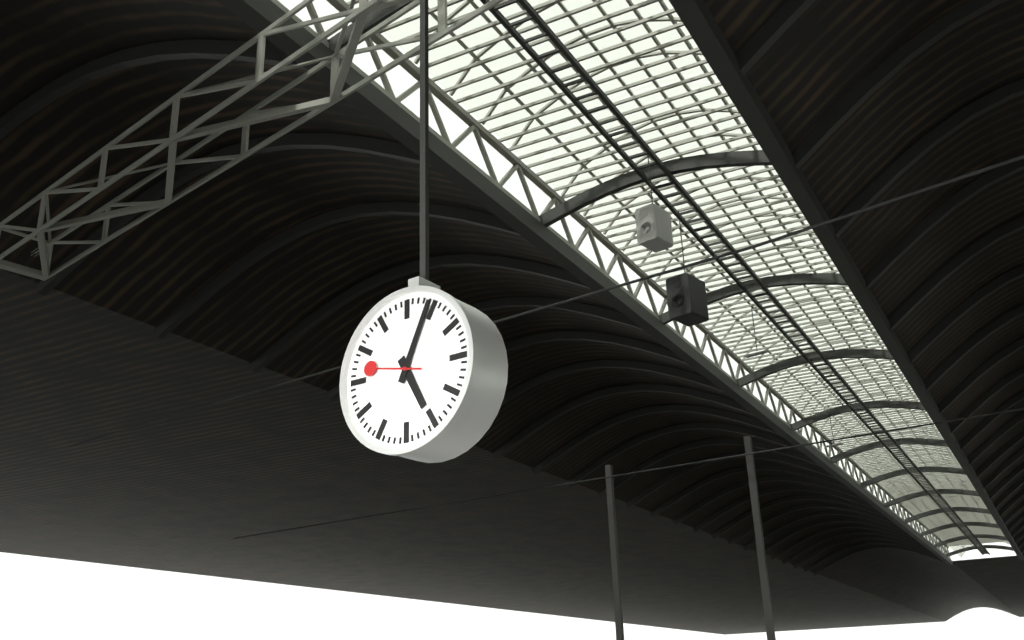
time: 5:04:47
